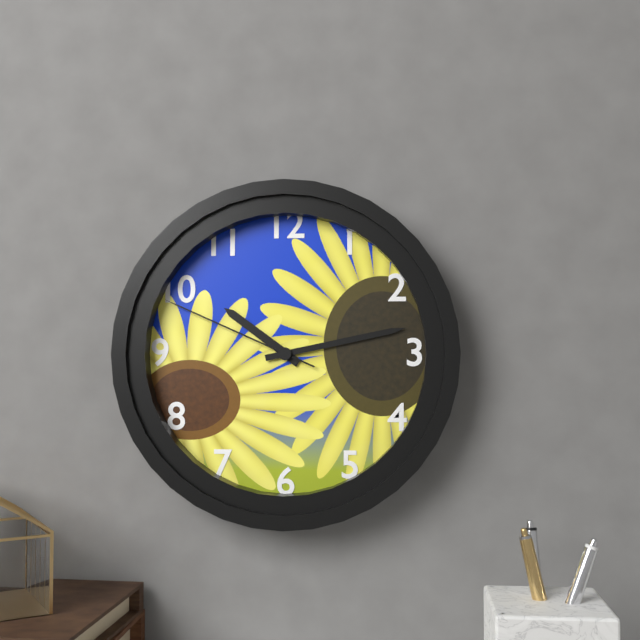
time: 10:13:49
